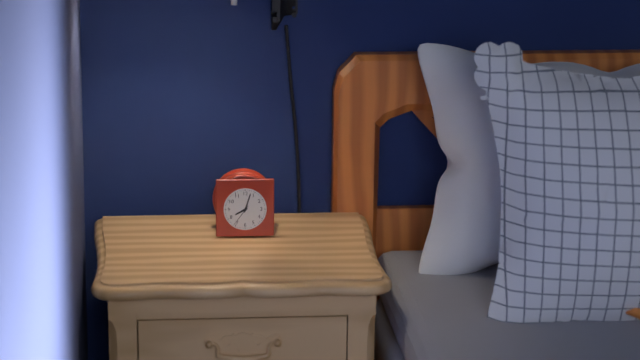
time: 8:03
